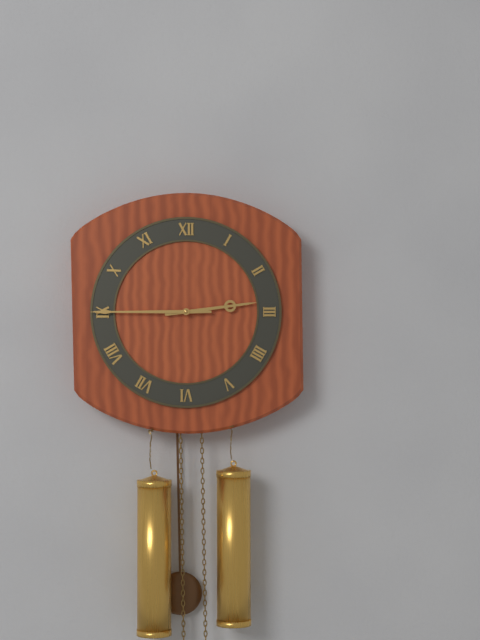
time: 2:45
